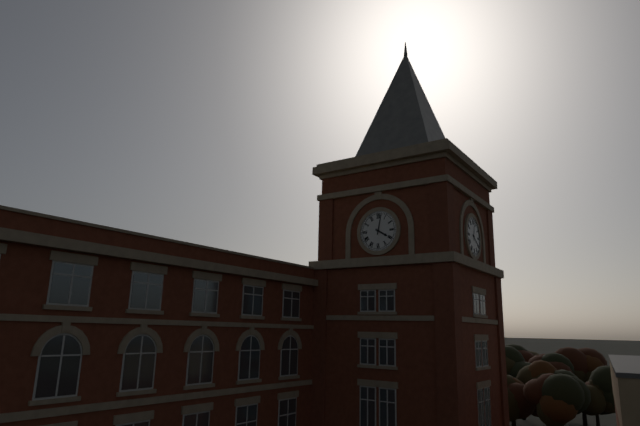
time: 4:02
